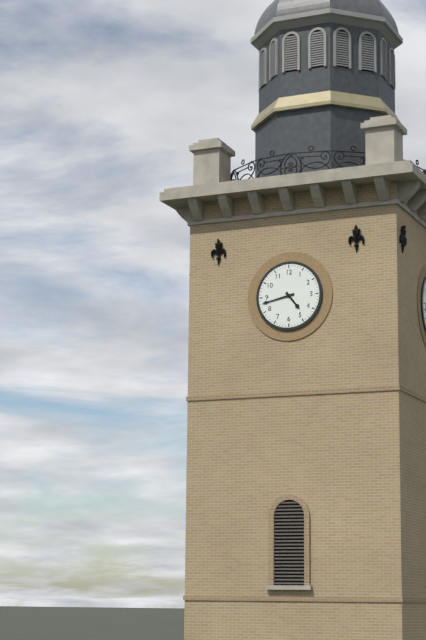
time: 4:43
